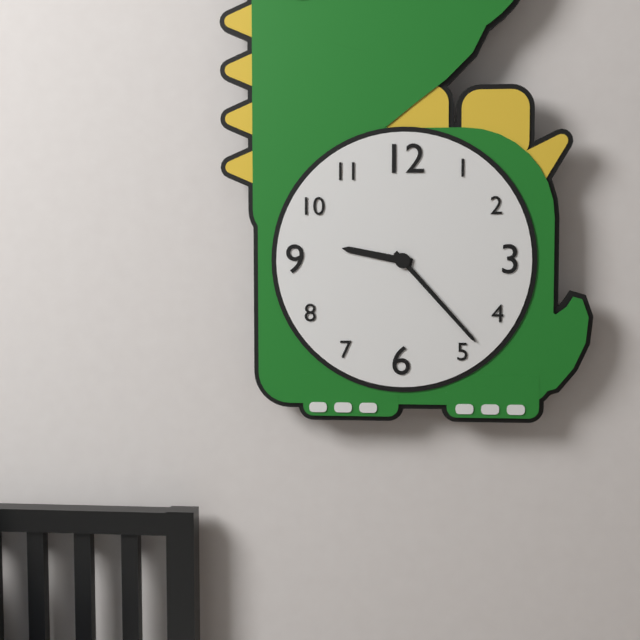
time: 9:23
